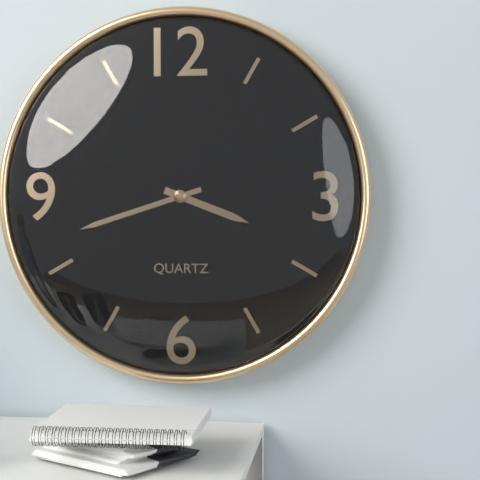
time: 3:42
